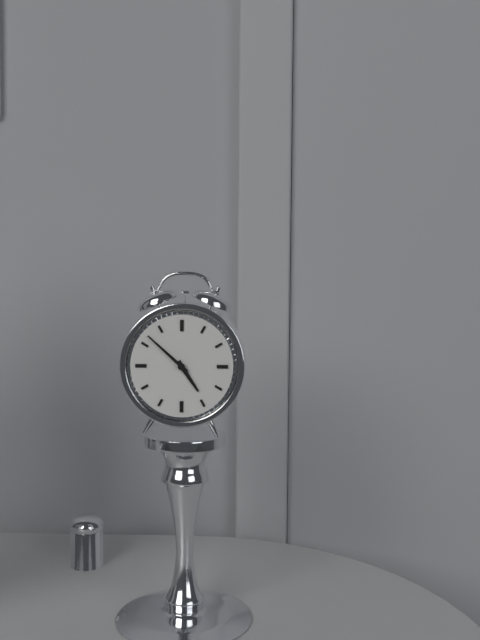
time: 4:52
